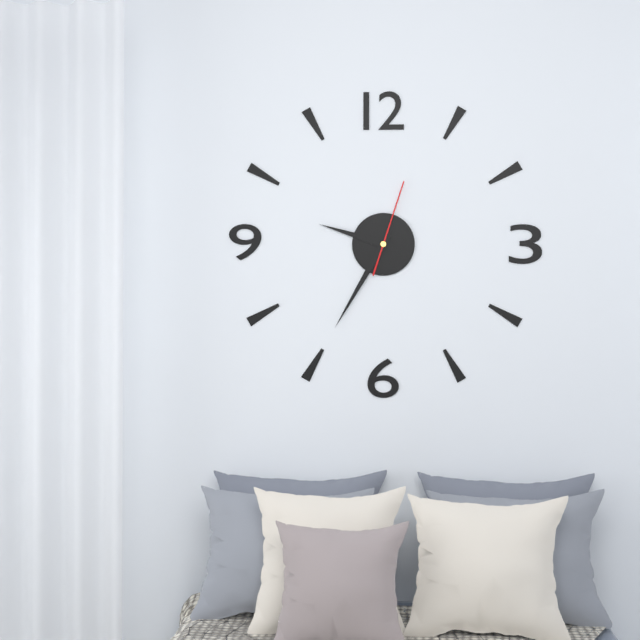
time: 9:35:03
